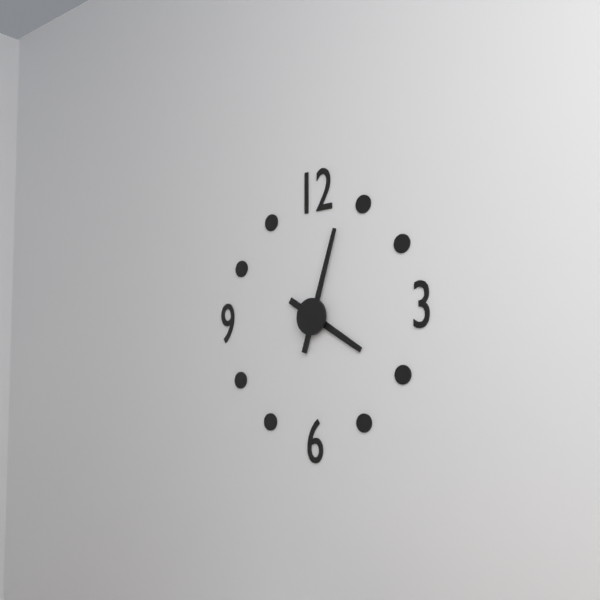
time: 4:03
